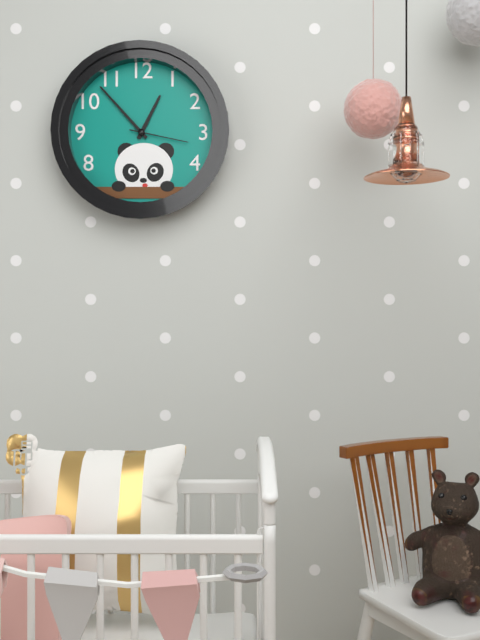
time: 12:53:17
